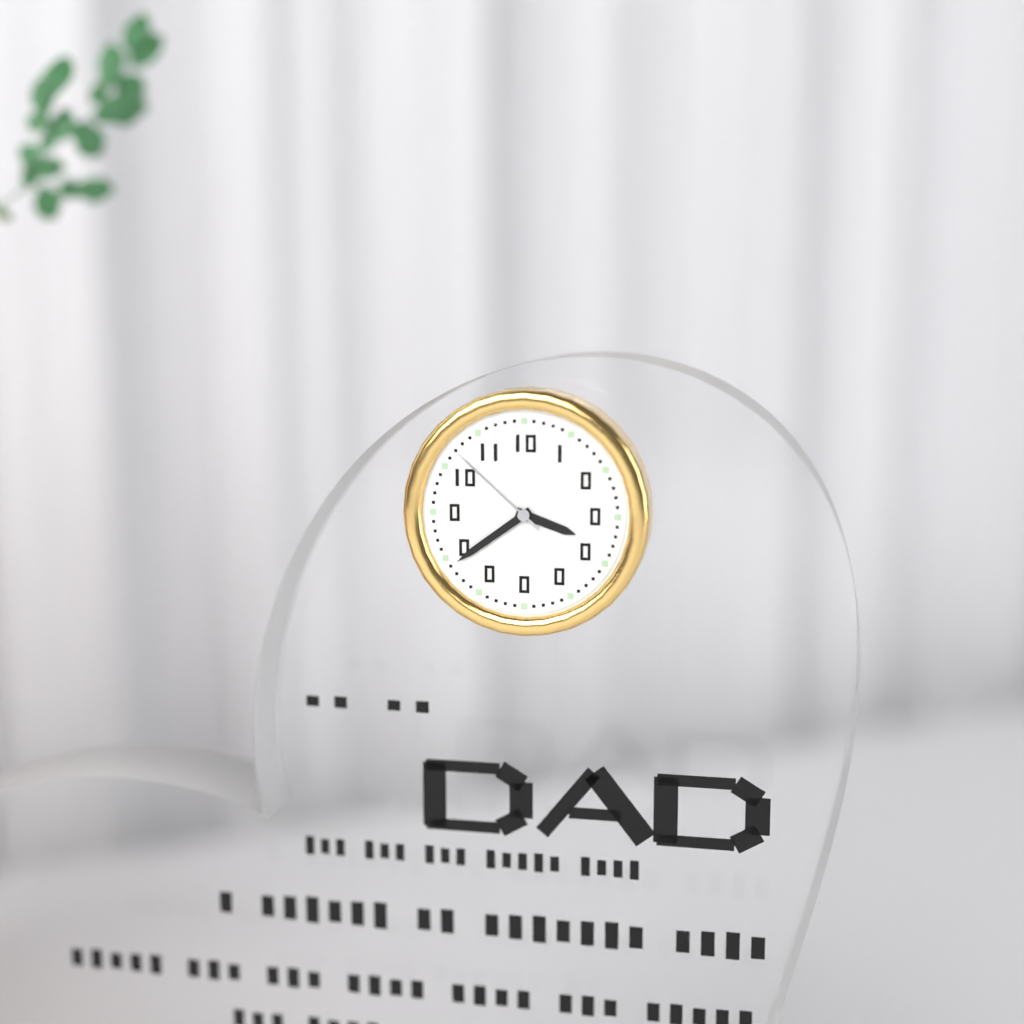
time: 3:39:52
